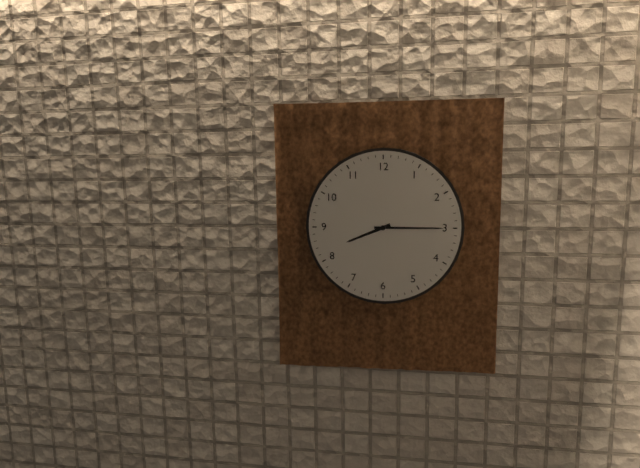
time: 8:15
